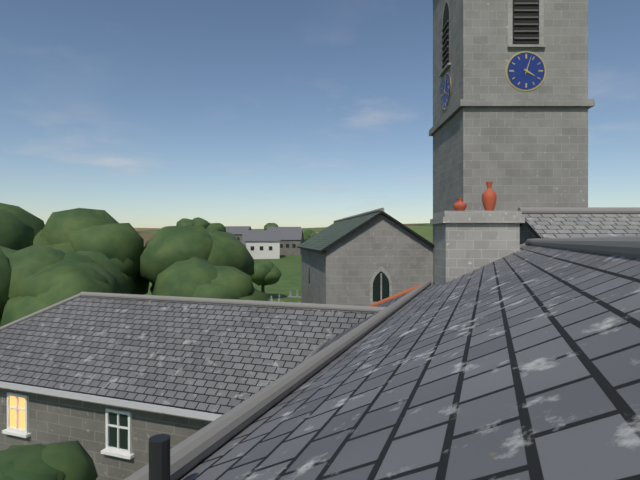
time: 4:03
